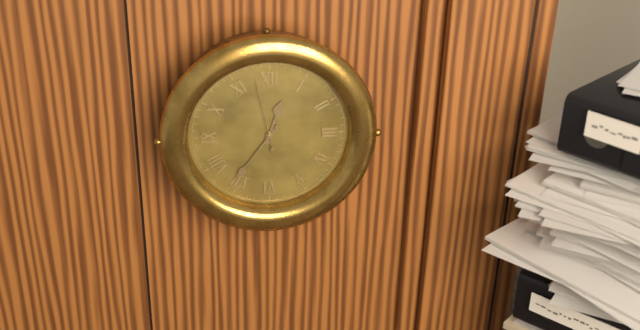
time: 12:36
